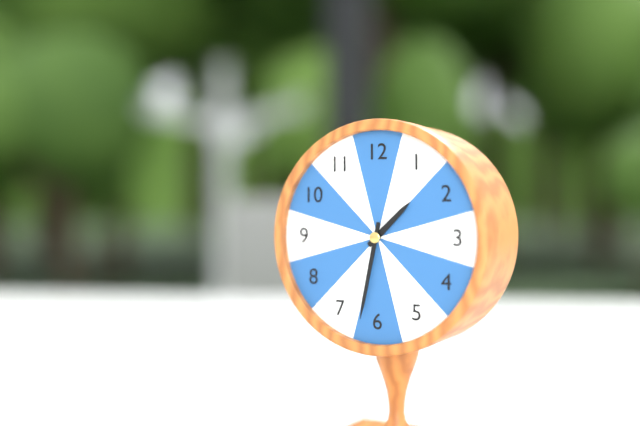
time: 1:32
